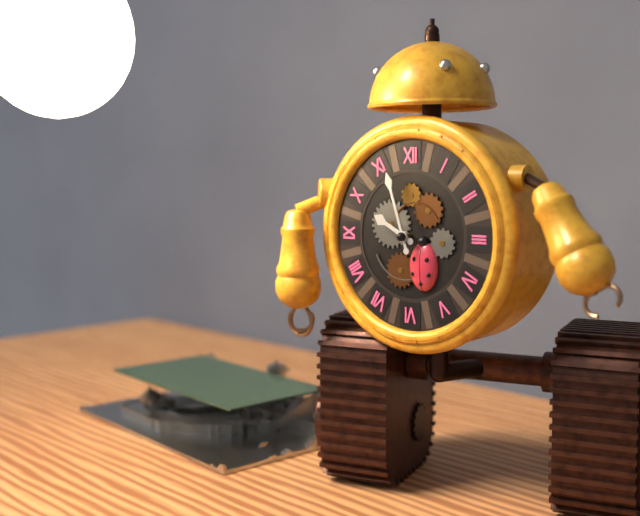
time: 9:57
